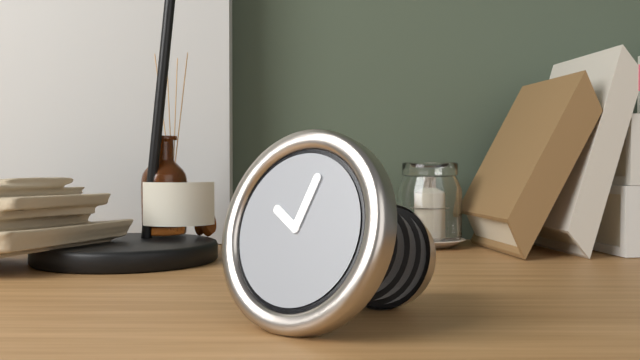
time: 10:03
